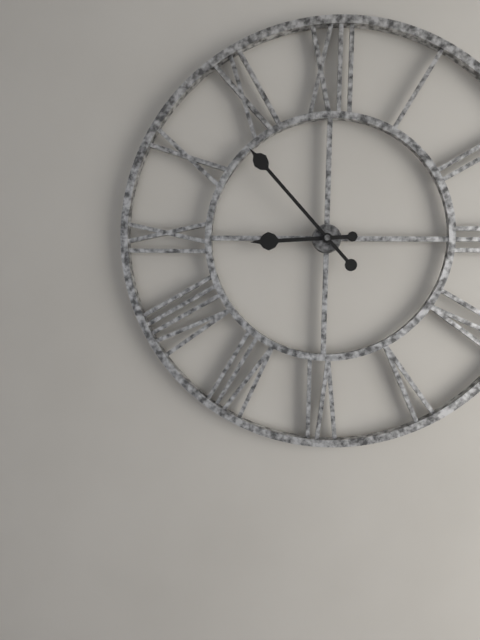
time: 8:53
